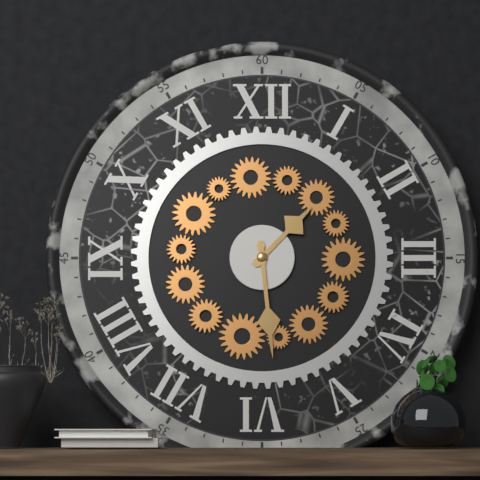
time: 1:29
